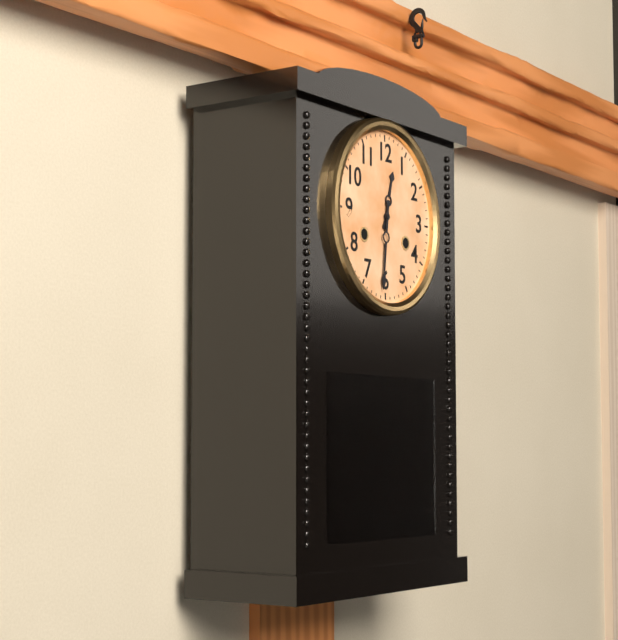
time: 12:31
